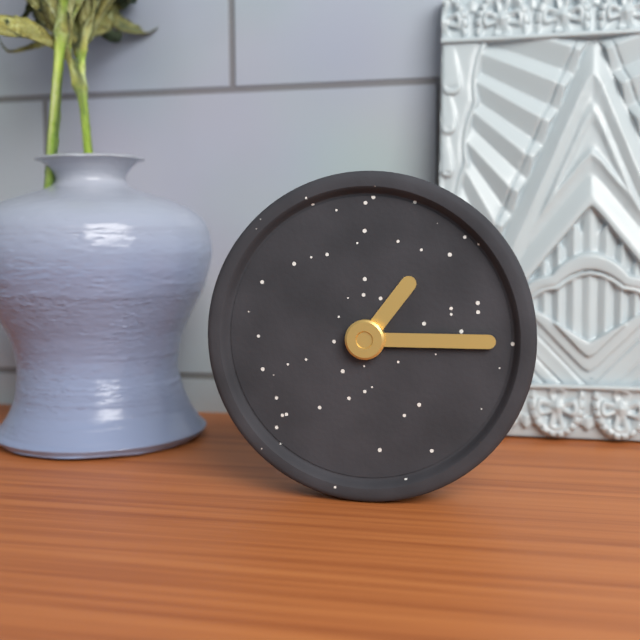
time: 1:15
